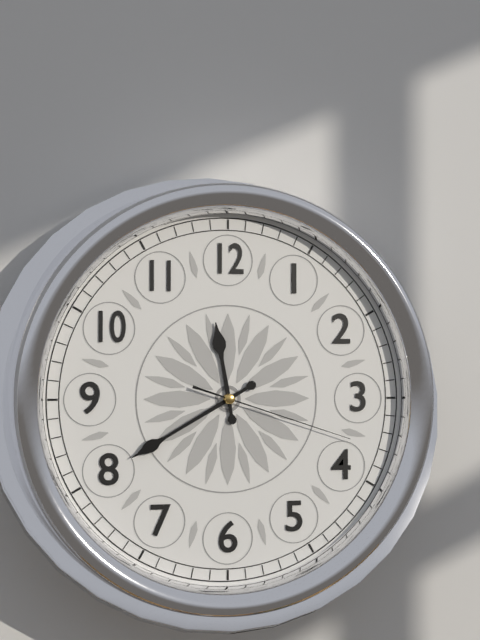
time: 11:40:18
